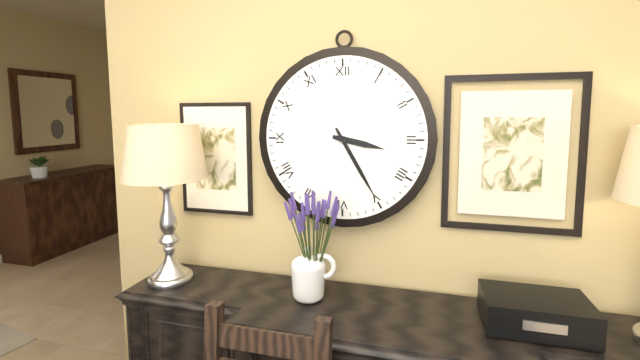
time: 3:25
